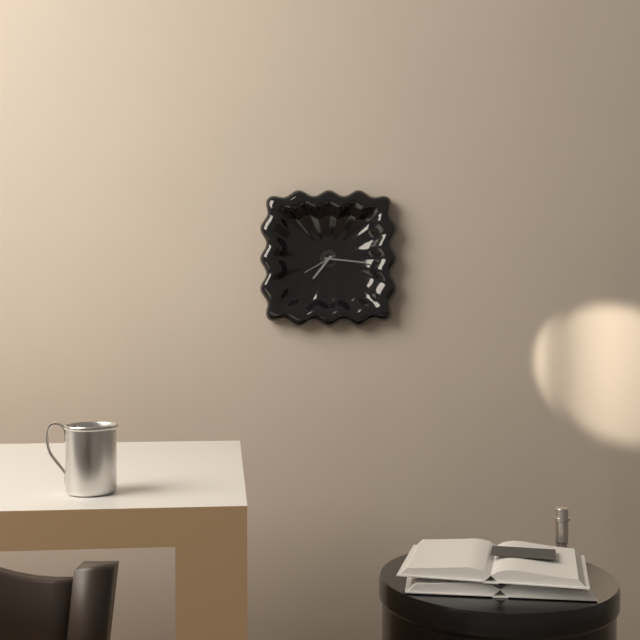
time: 7:16
